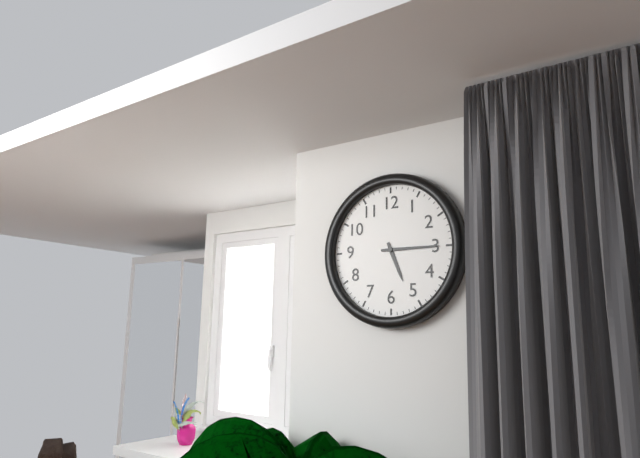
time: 5:15
